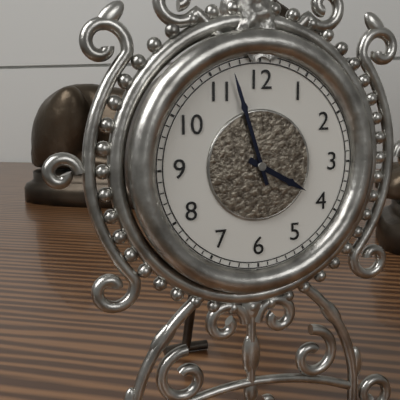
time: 3:57
